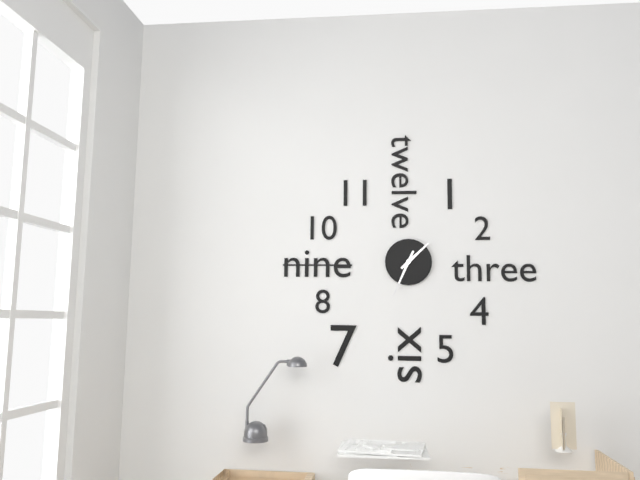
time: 1:34
